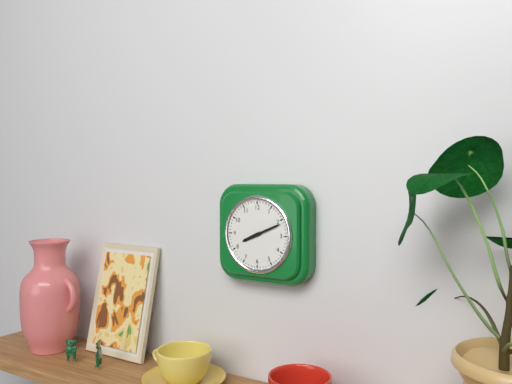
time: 8:11
